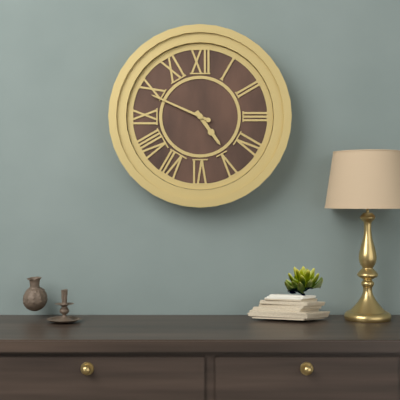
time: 4:49
